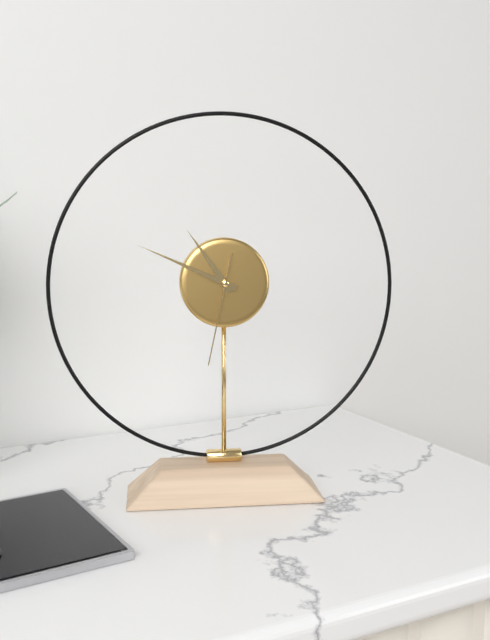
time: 10:49:32
